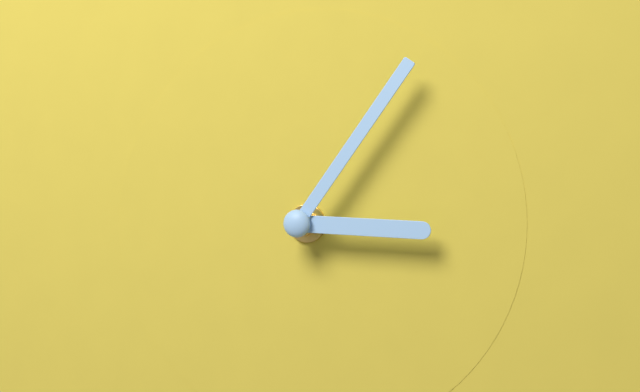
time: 3:06
